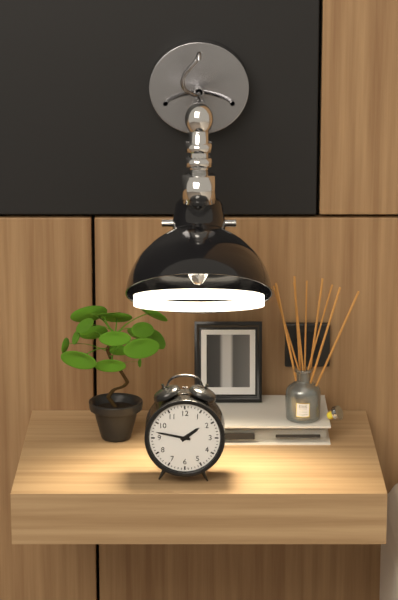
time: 1:47
